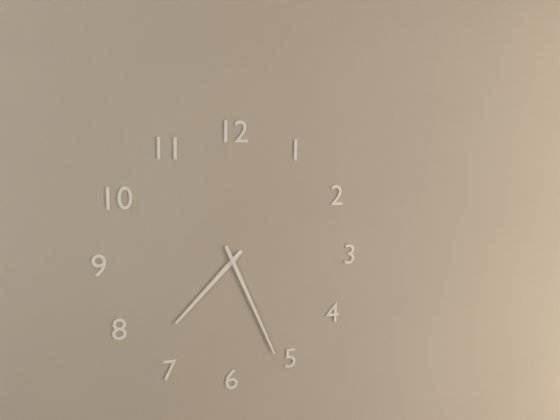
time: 7:26
